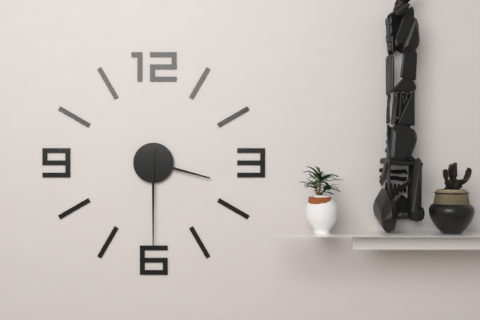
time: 3:30
